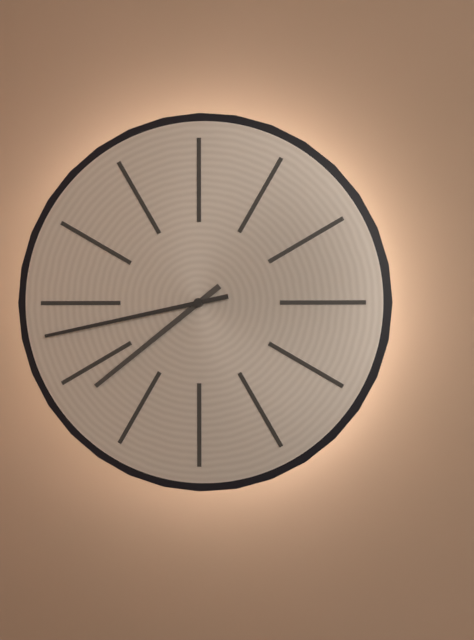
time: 7:43
